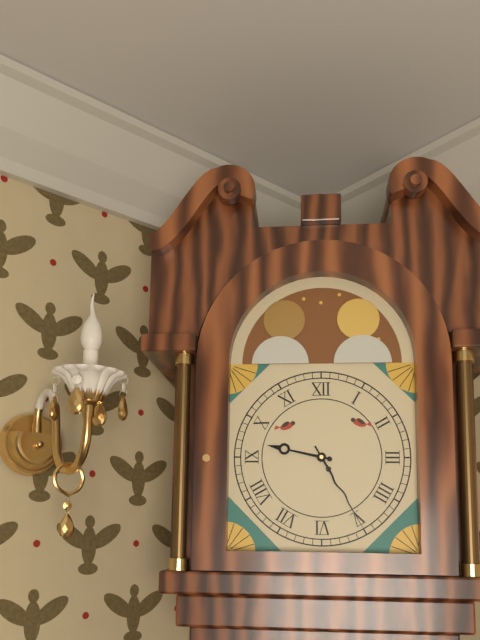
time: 9:25
